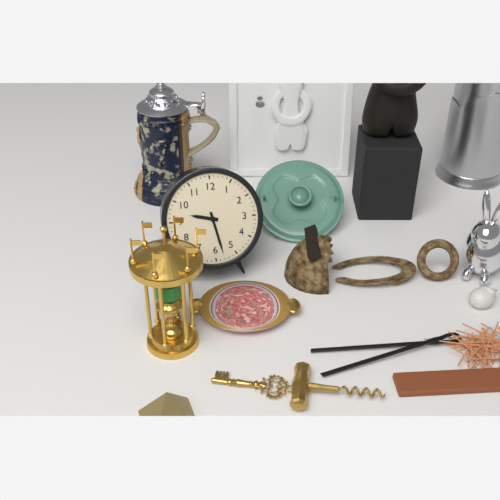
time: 9:28
